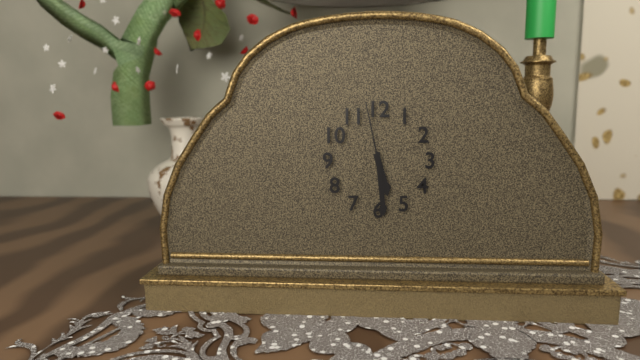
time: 5:29:58
